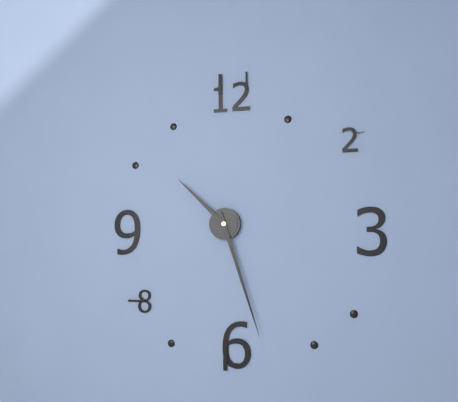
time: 10:27
